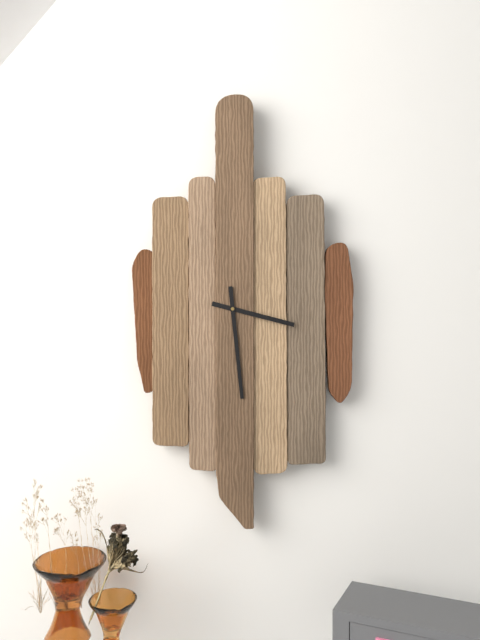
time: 3:29
